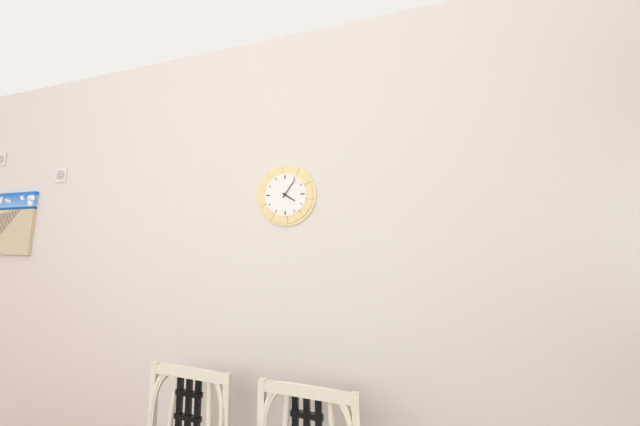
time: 4:06
